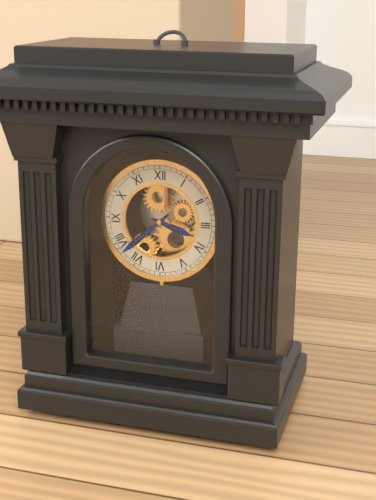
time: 3:38
